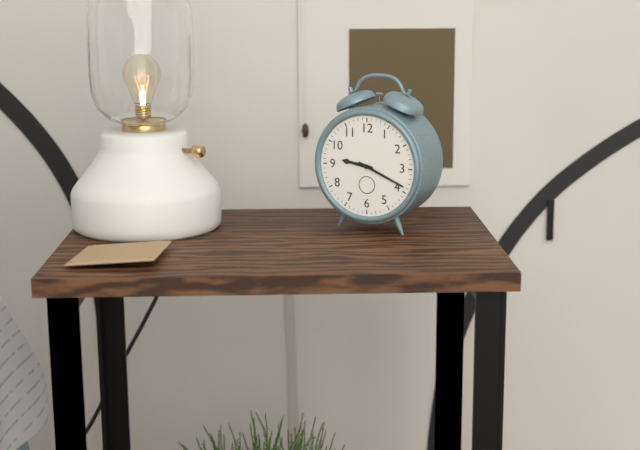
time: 9:19
